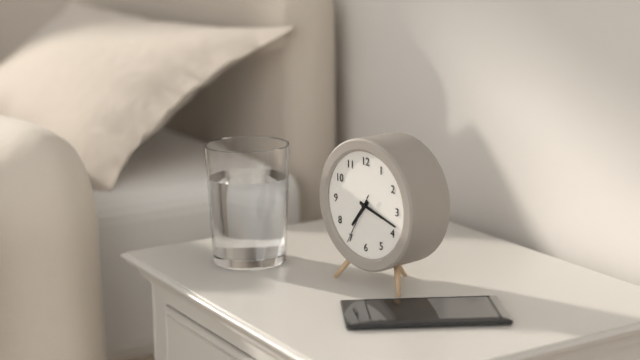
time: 7:18:35
